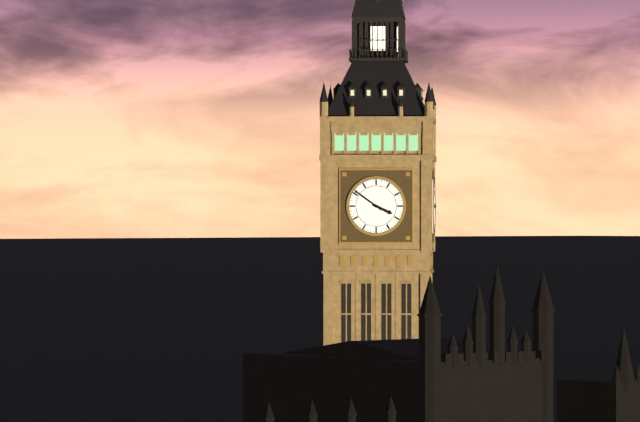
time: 3:51
